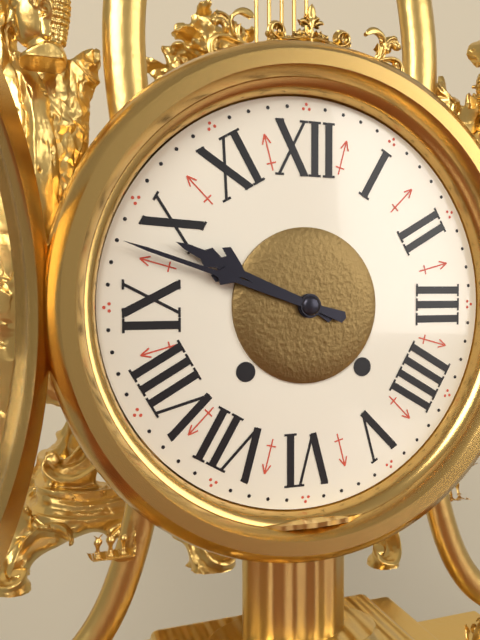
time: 9:48
